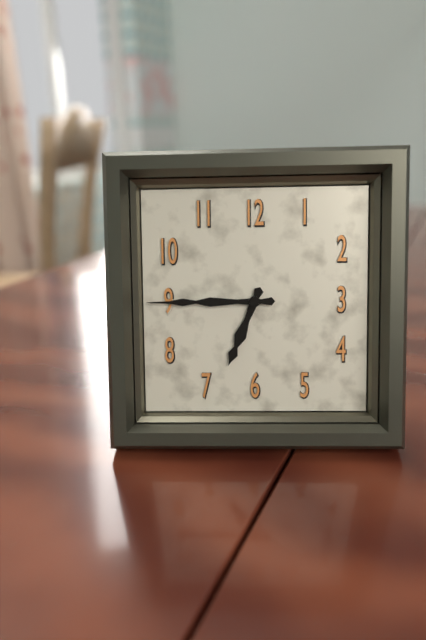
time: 6:45
